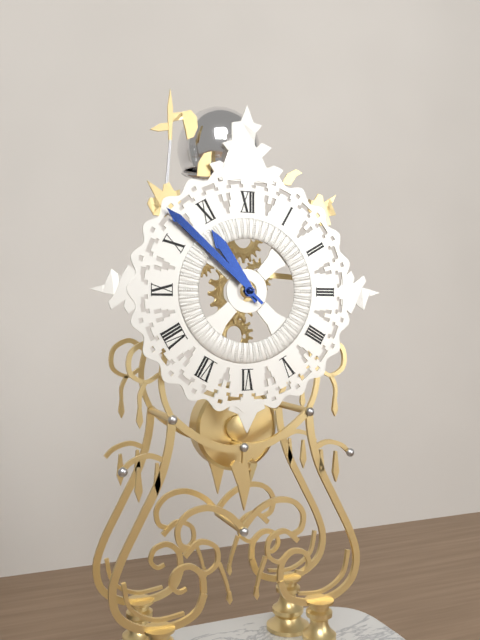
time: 10:52
